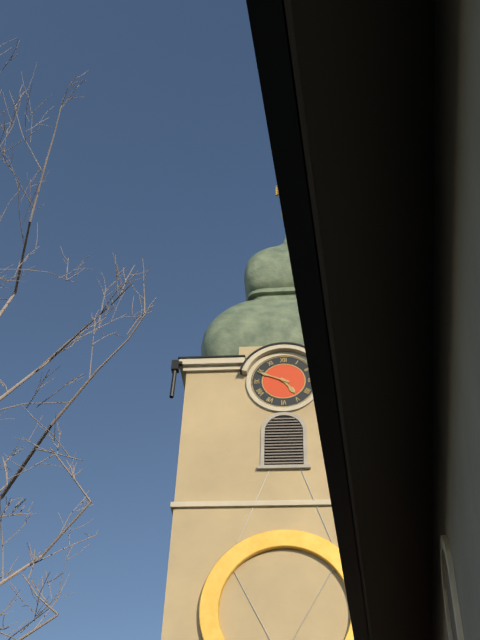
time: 4:49
